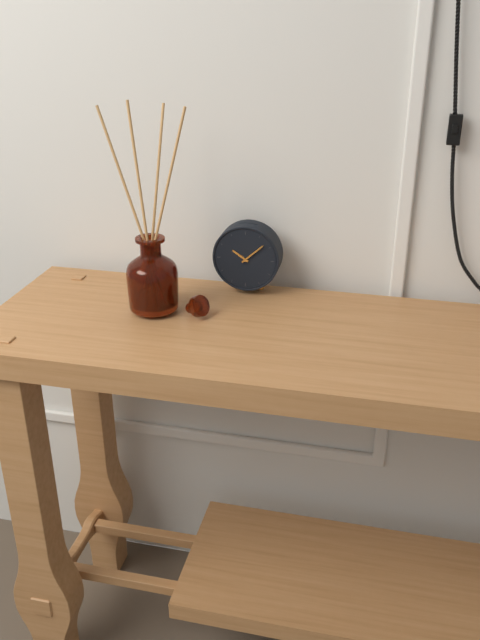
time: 10:08
